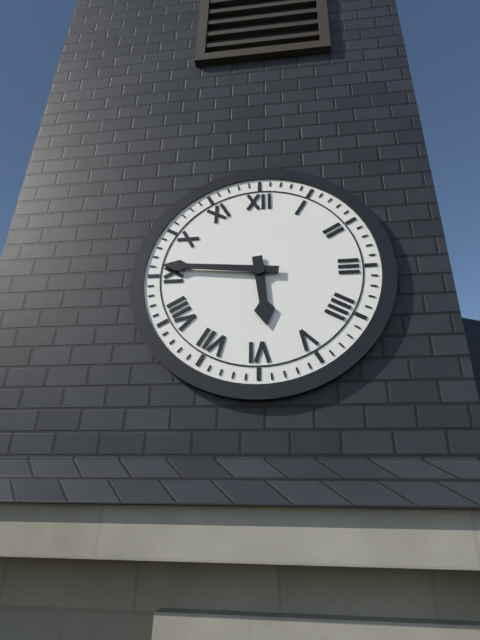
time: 5:46
